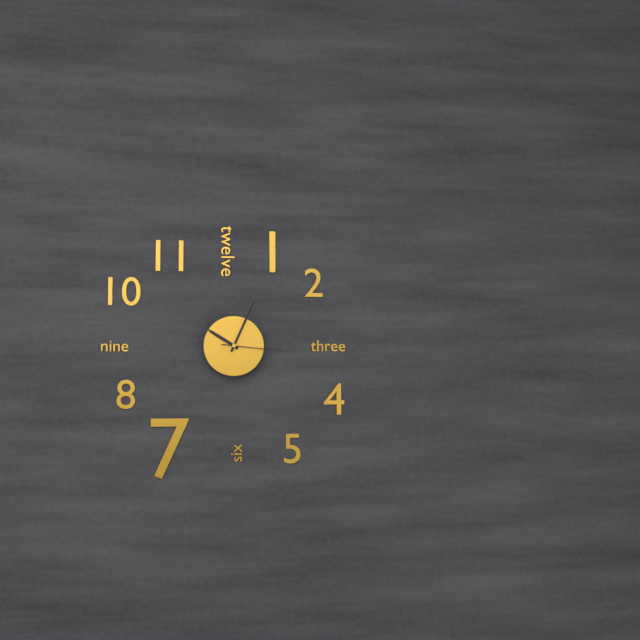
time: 10:04:16
